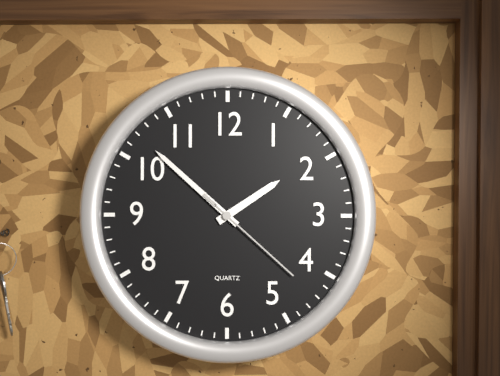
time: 1:52:22
